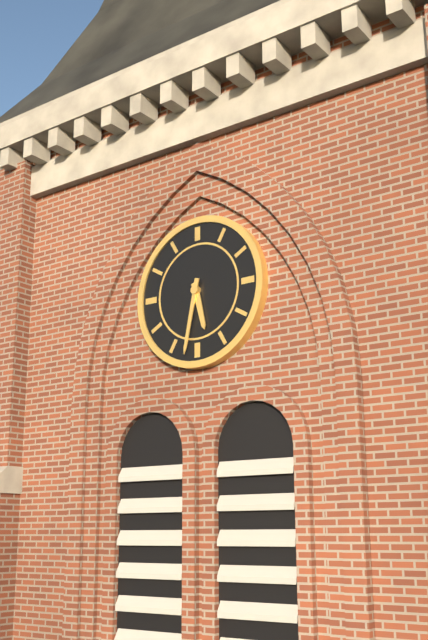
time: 5:32
